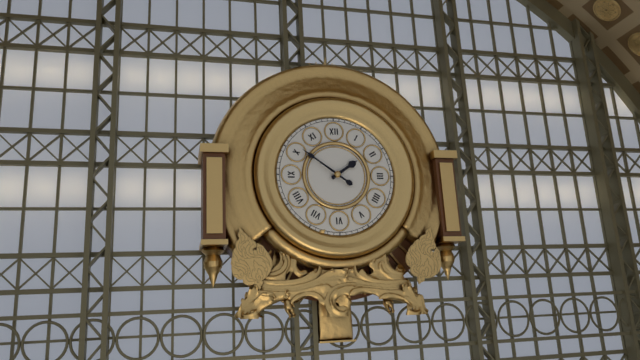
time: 1:51
